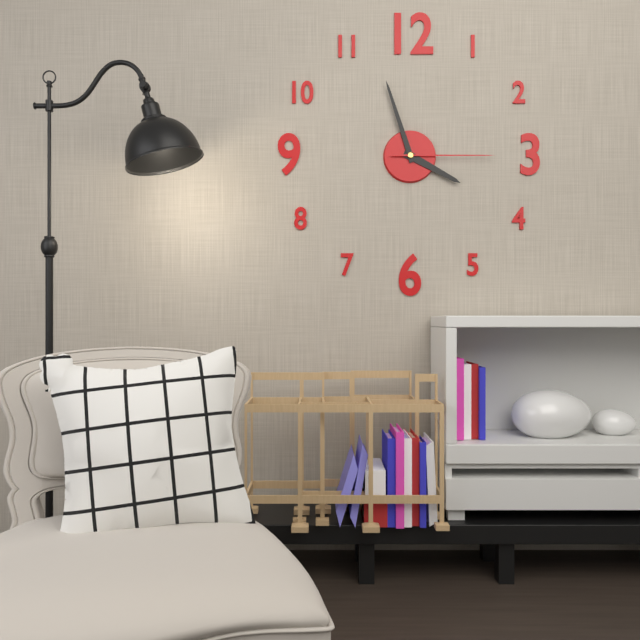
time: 3:57:15
